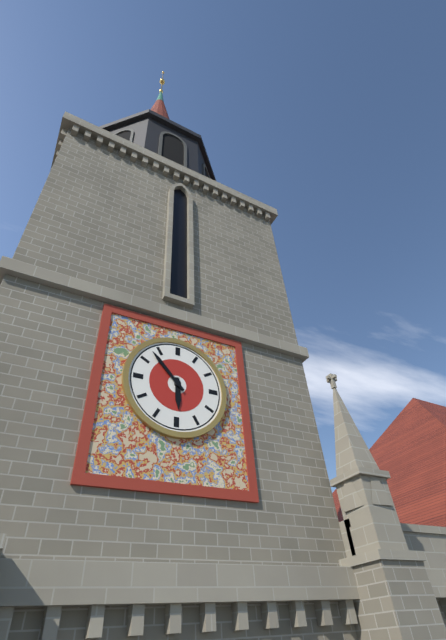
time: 5:53
